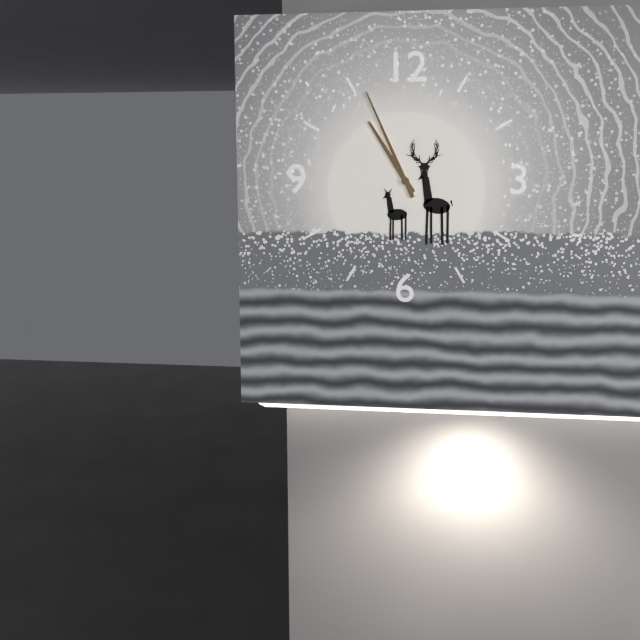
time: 10:56
